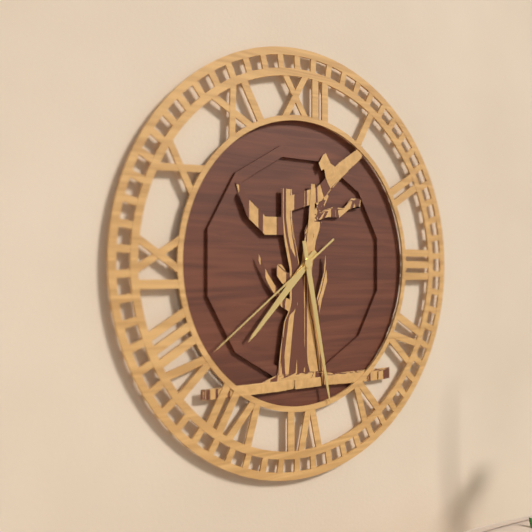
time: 7:28:39
